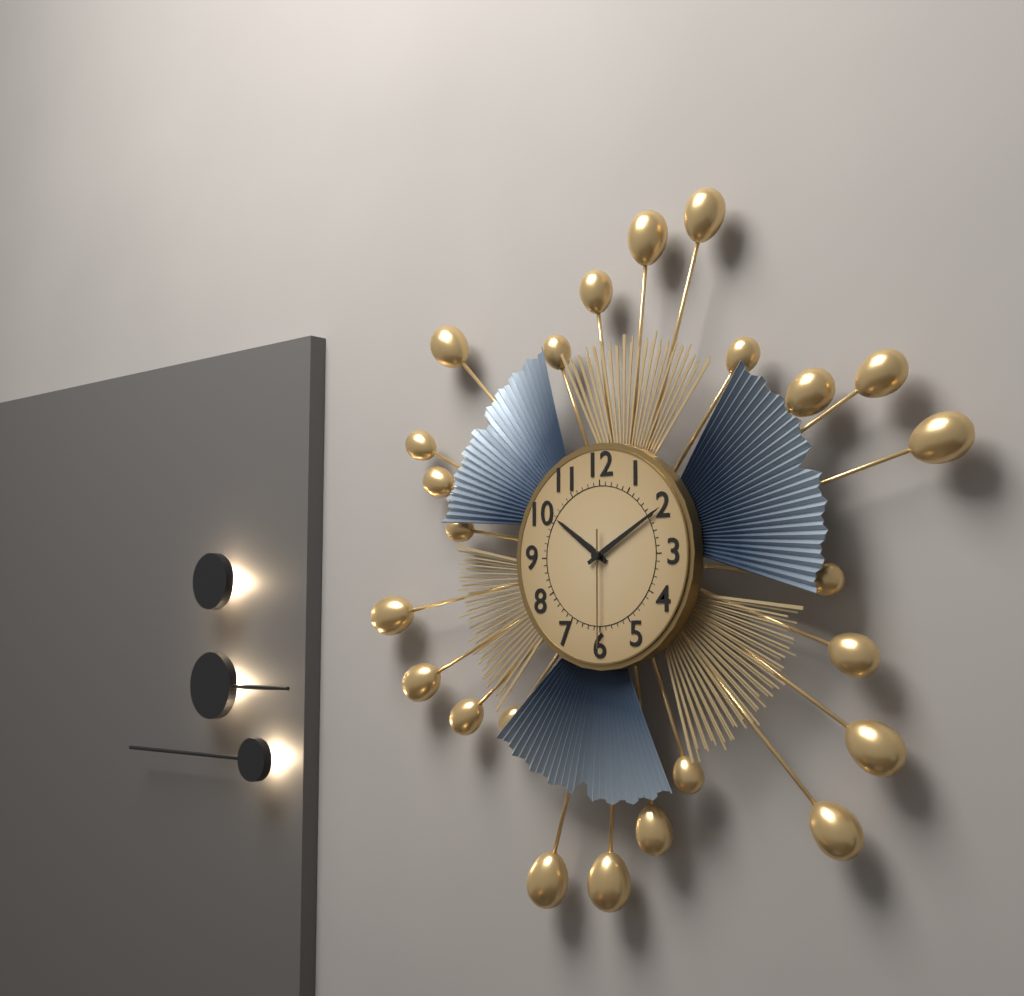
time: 10:10:30
